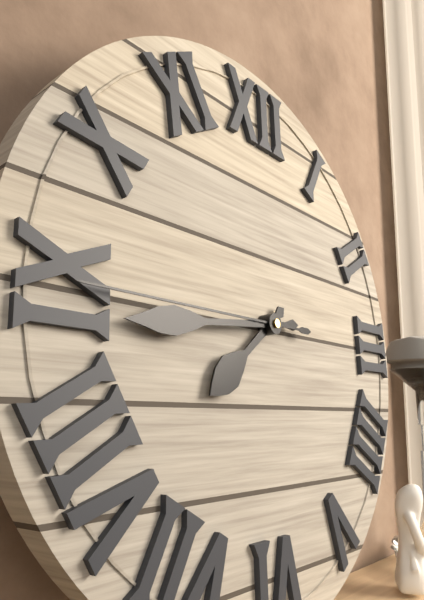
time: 7:44:45
